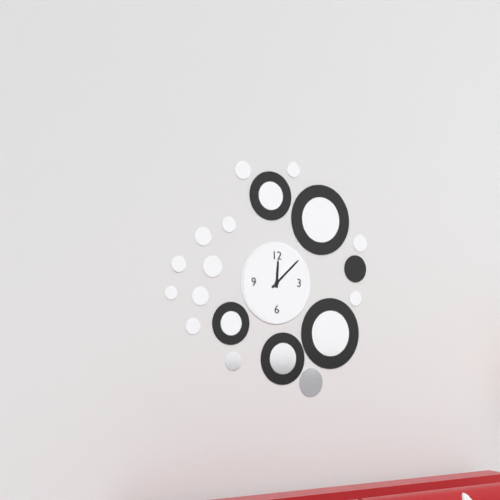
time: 12:08
